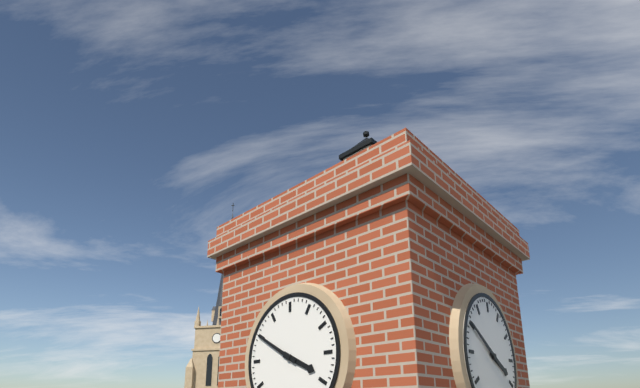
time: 3:50
